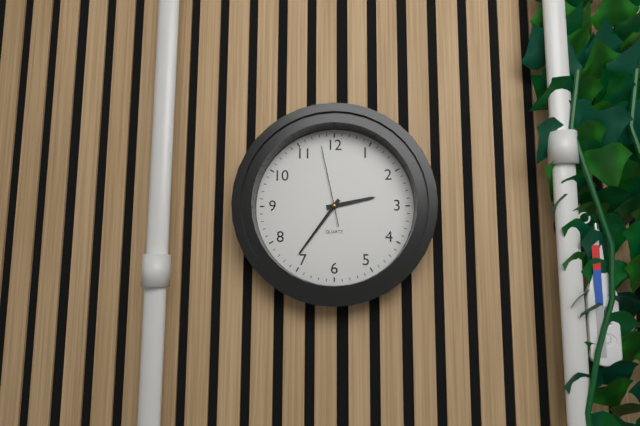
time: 2:36:58
